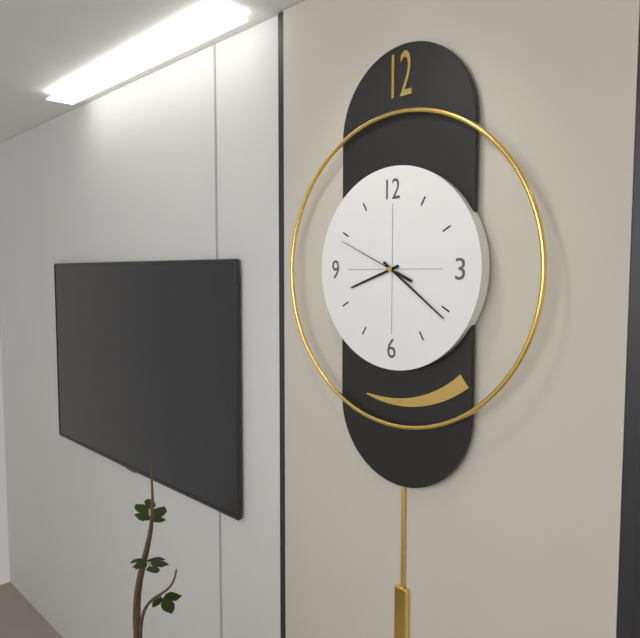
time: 8:21:49
